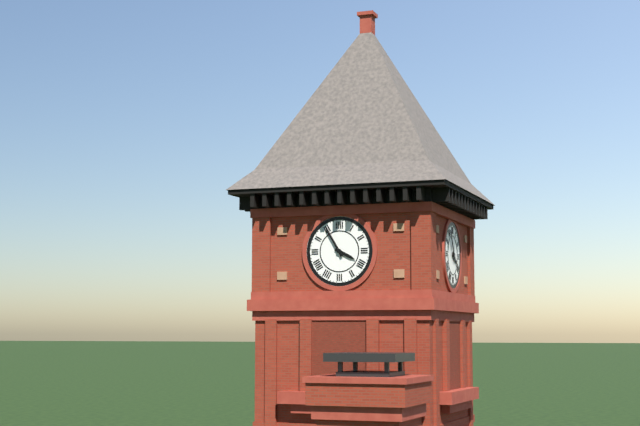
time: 3:55
